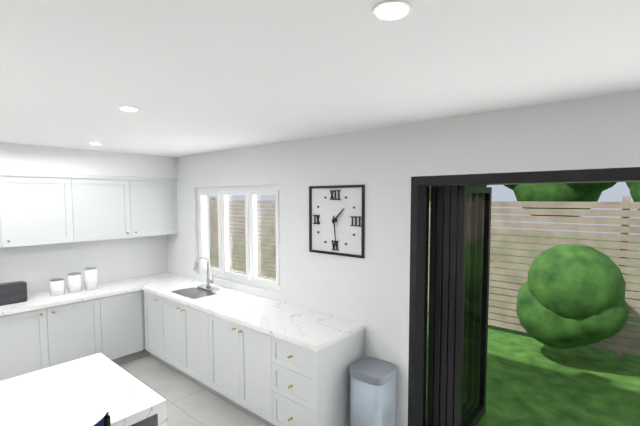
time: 1:29
